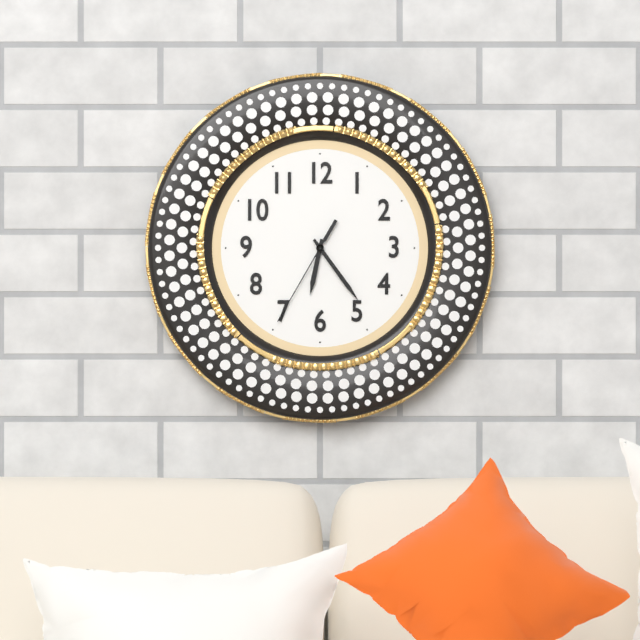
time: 6:24:35
